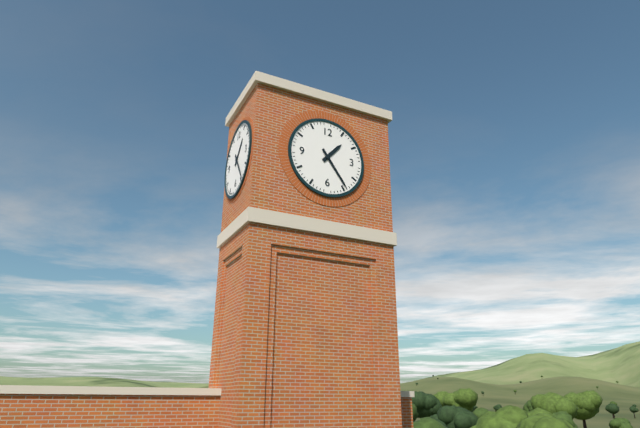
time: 1:24
